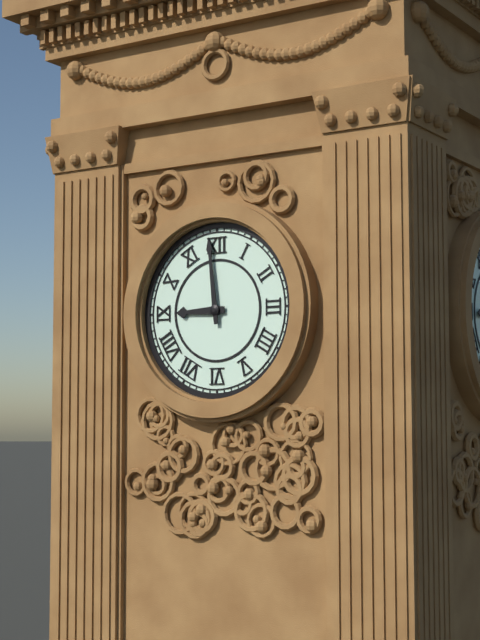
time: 8:59
